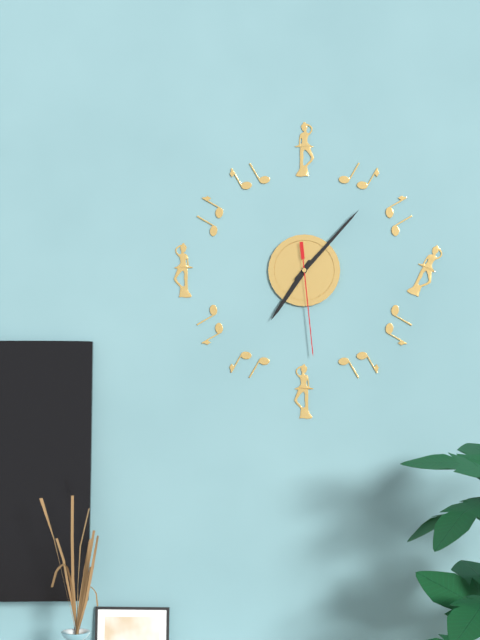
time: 7:07:29
